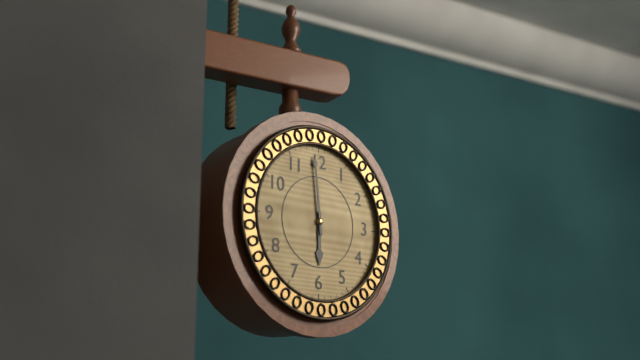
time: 5:59
